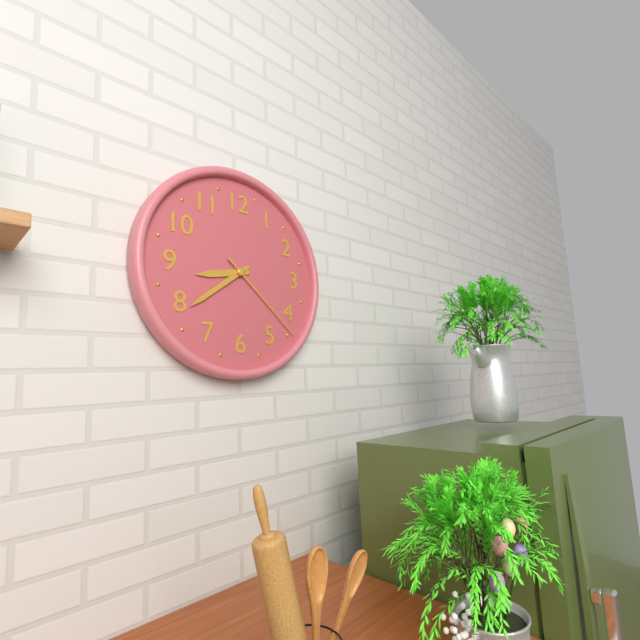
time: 8:39:22
